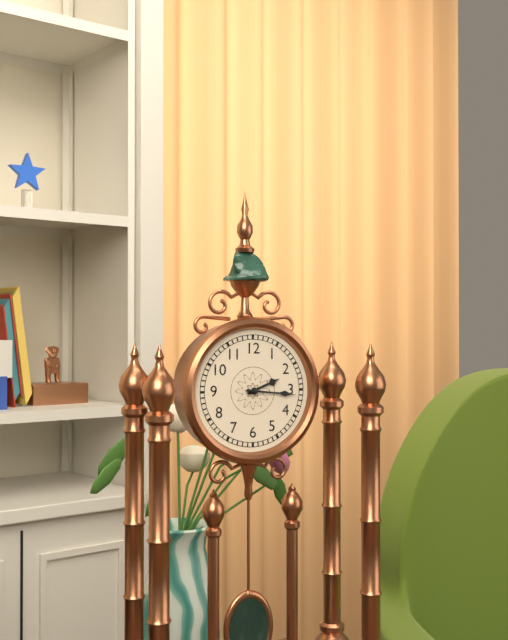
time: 2:16
